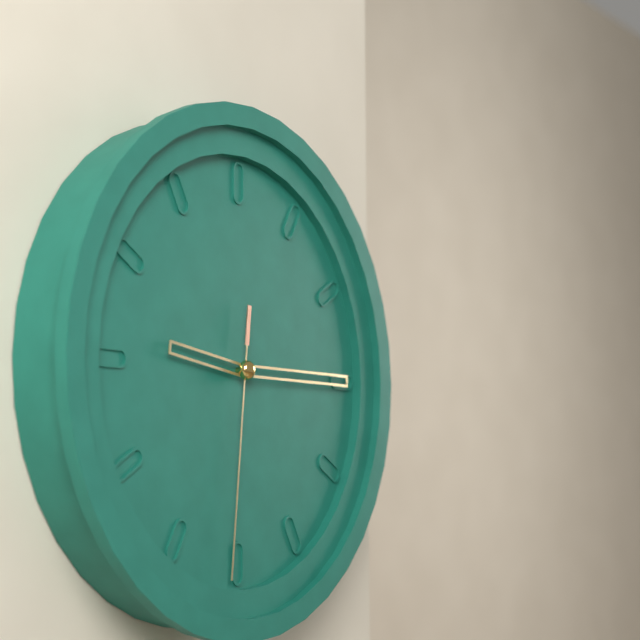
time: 9:15:31
